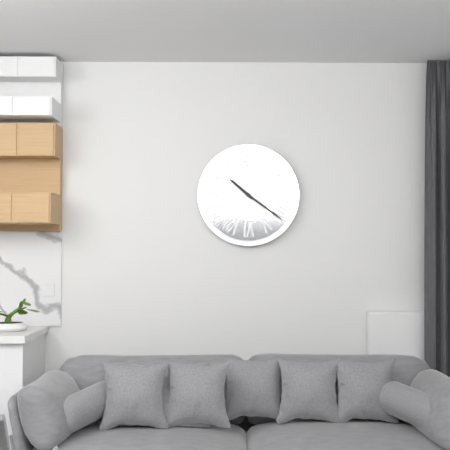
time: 10:21
